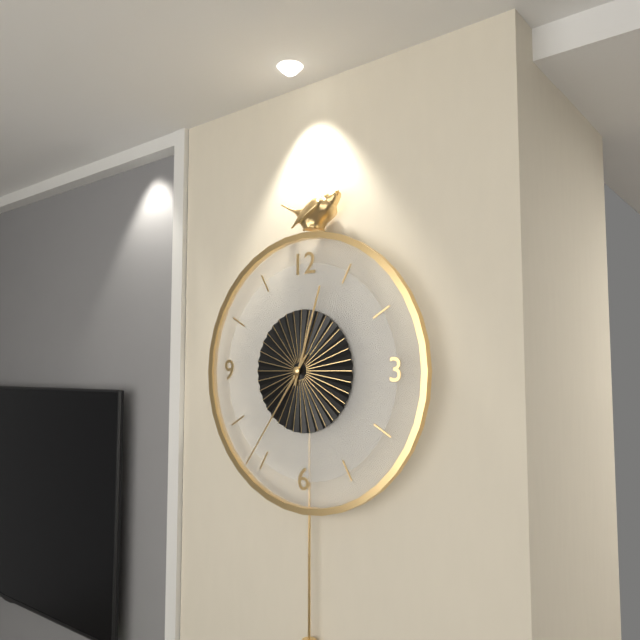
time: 12:36
